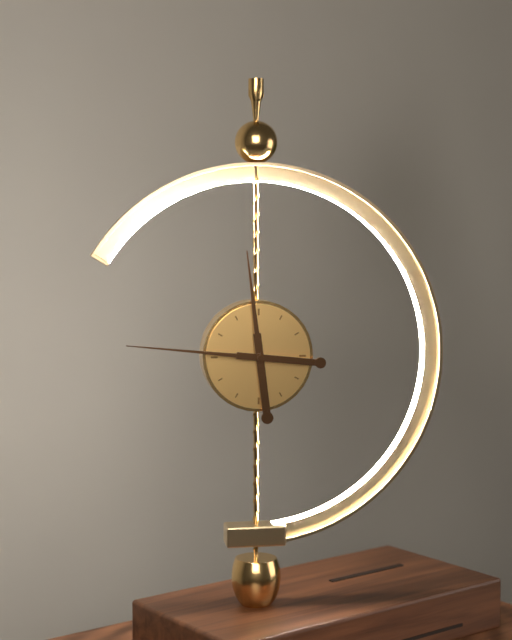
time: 11:46
